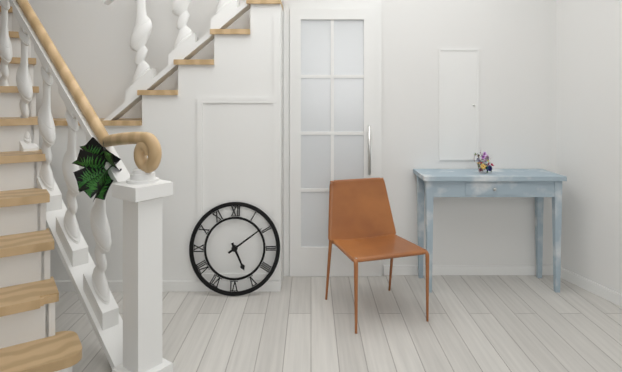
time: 5:09
